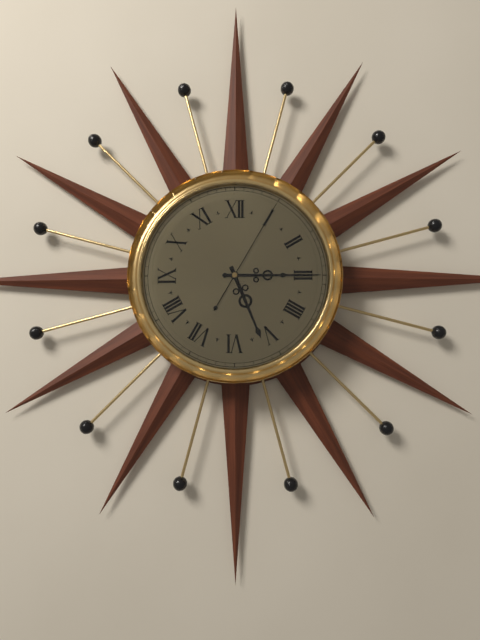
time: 5:15:05
